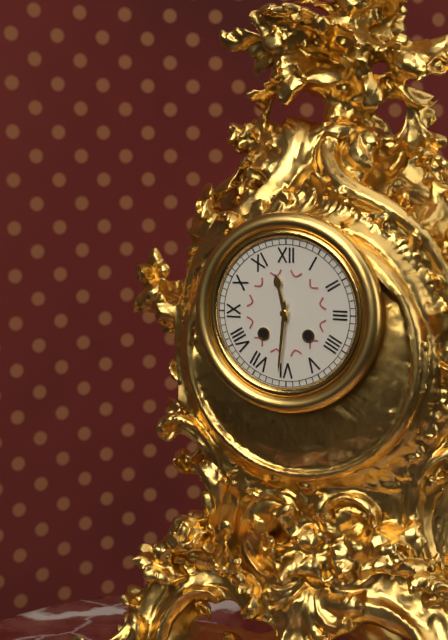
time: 11:31
